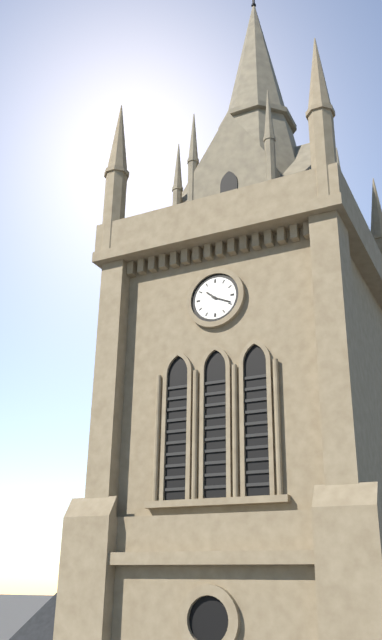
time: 10:19
